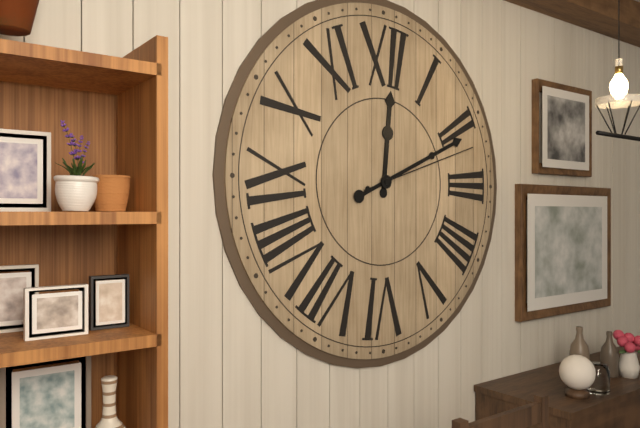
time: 12:11:12
